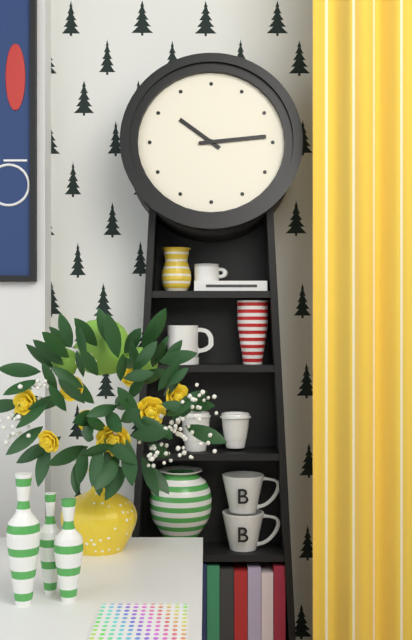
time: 10:14
